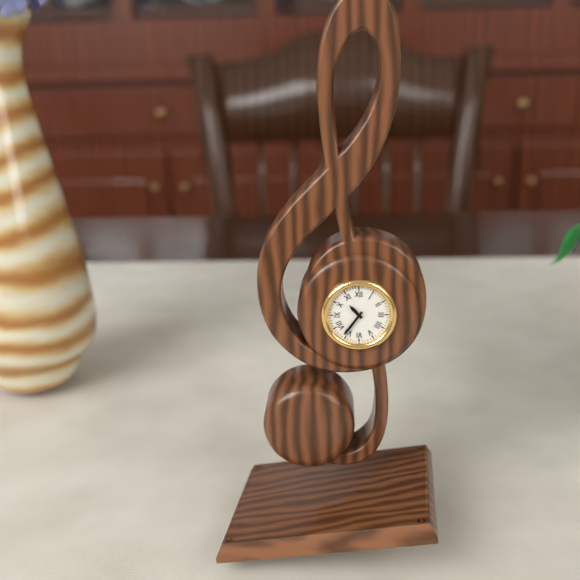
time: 10:36
